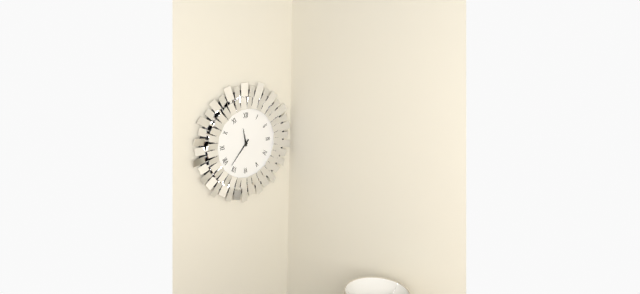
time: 11:37
